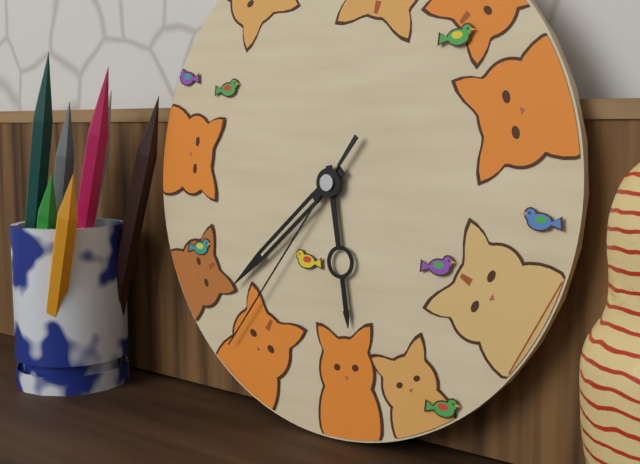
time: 5:38:36
